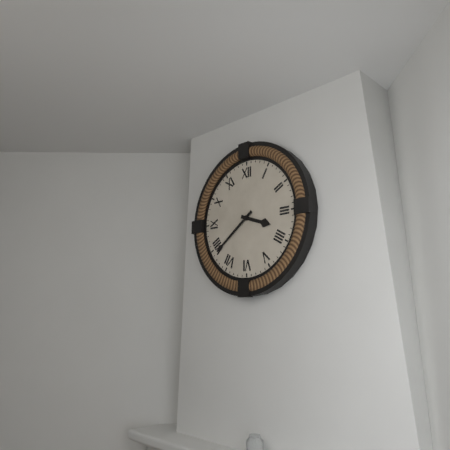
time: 3:39
